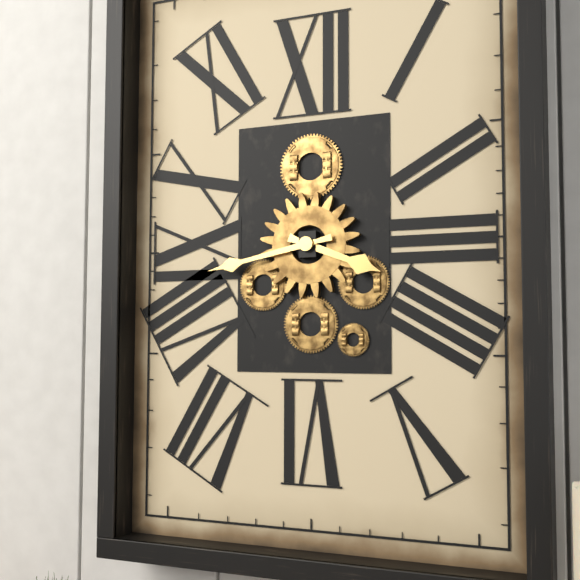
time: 3:43
